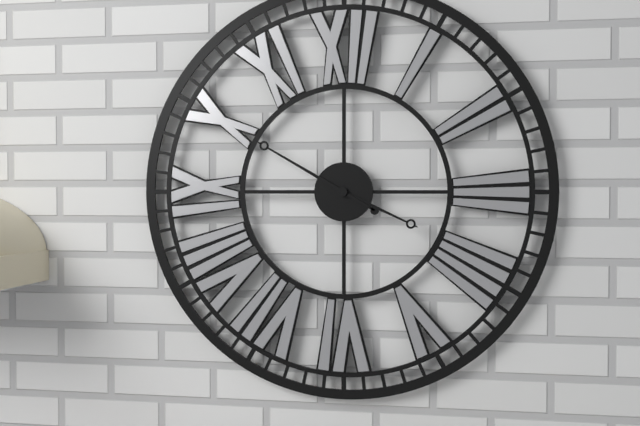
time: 3:50
